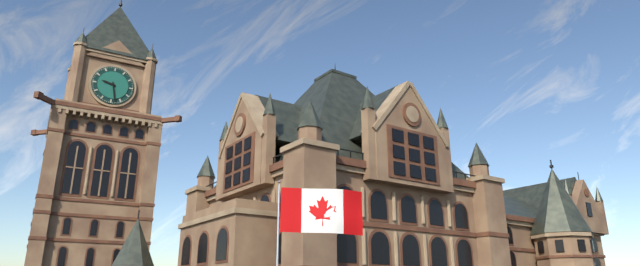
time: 9:28
